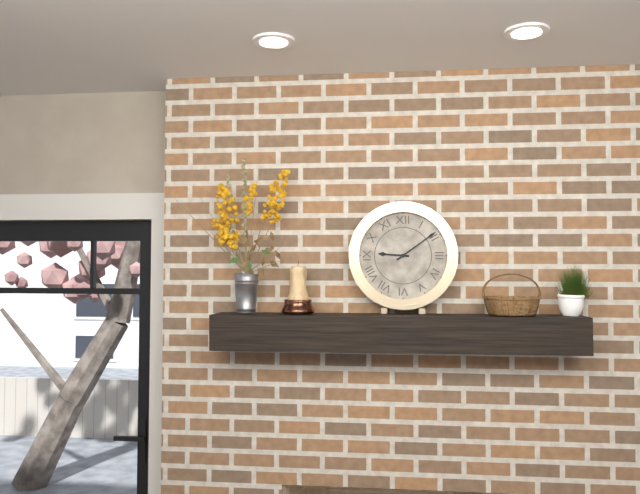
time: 9:09
